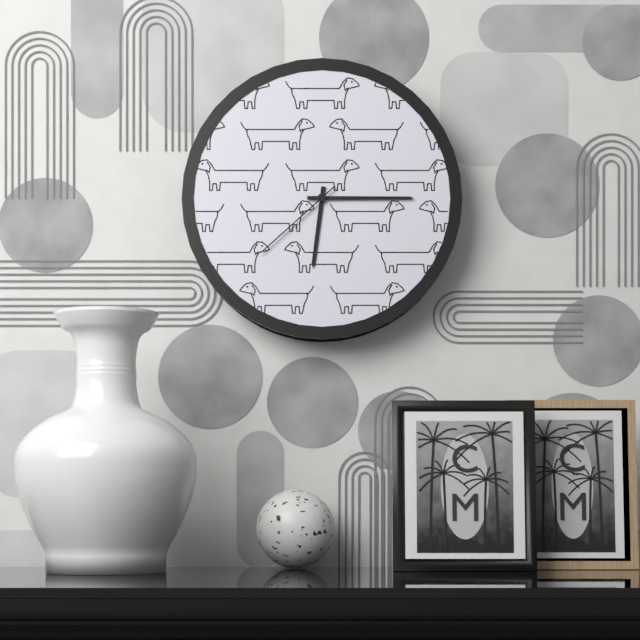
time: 6:15:38
